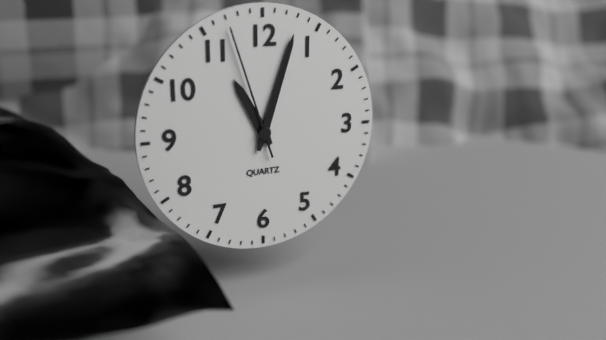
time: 11:03:57
